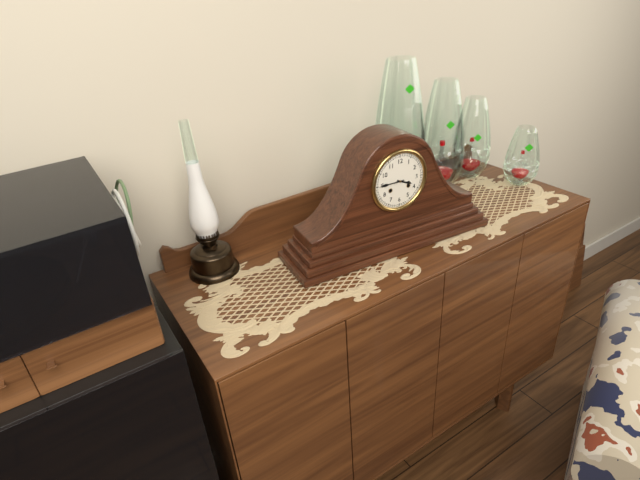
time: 3:45
